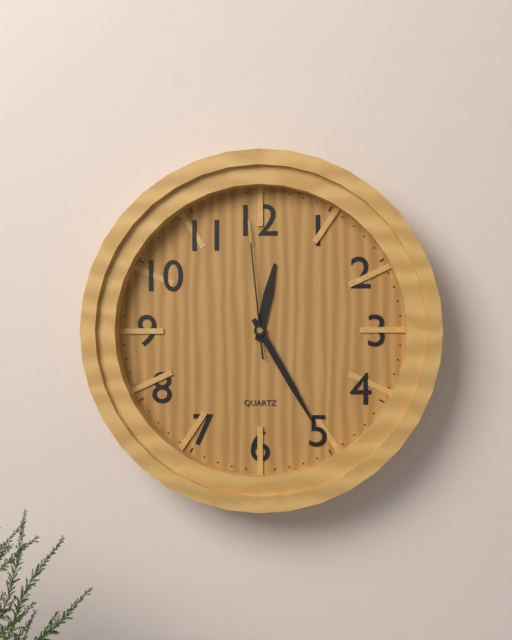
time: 12:25:59
